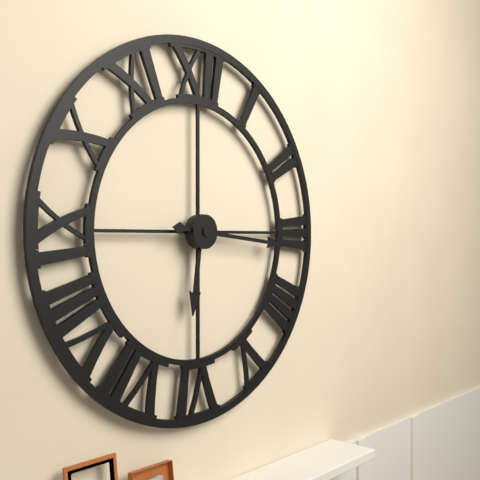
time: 6:16
